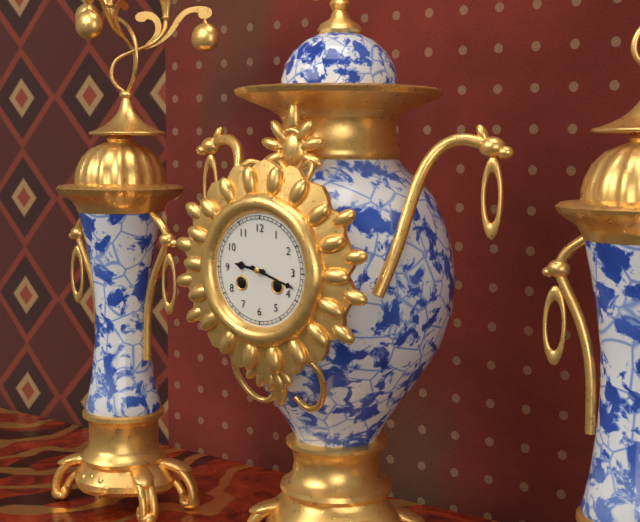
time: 9:18
